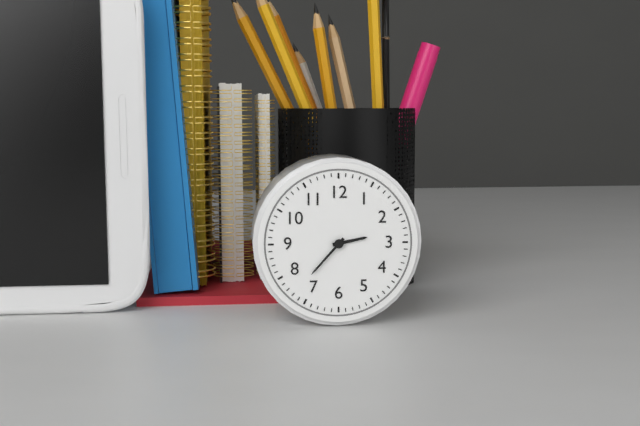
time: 2:37
